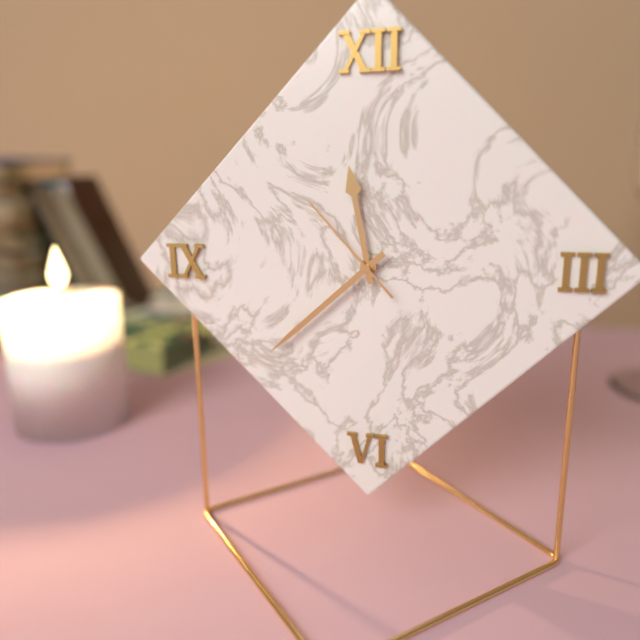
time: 11:38:53
